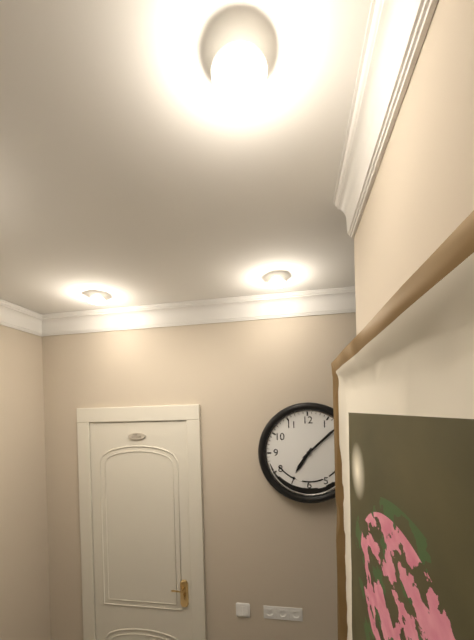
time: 7:08
